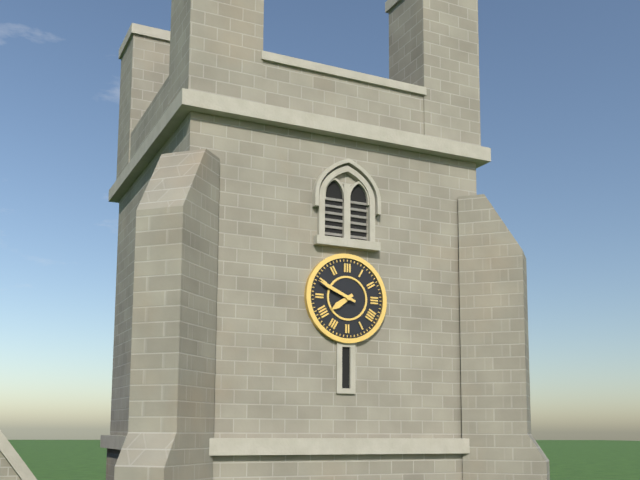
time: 7:49
